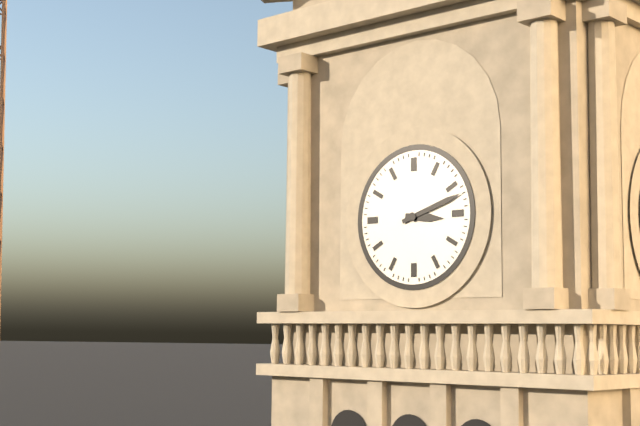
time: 3:12
